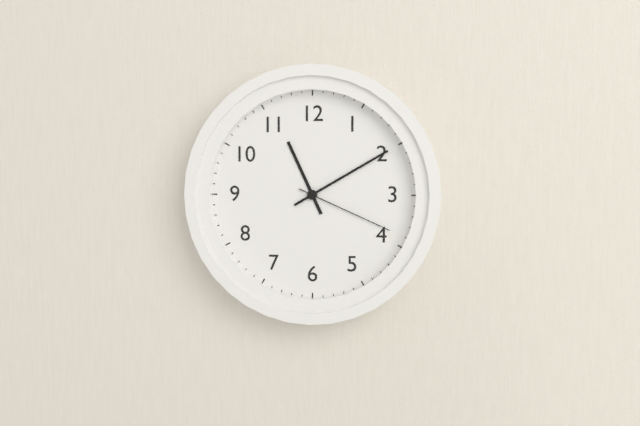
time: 11:10:19
